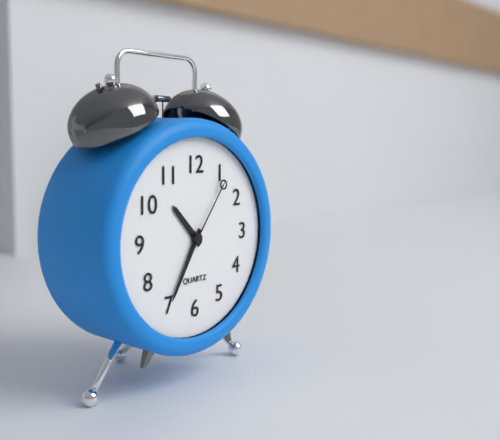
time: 10:35:06
